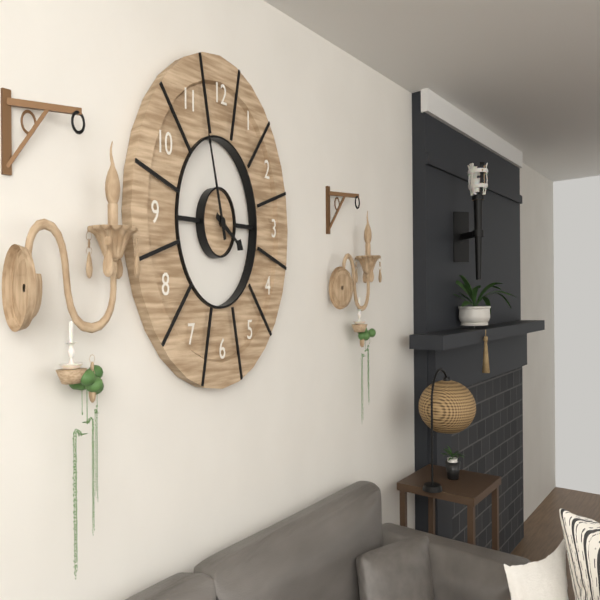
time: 3:57
